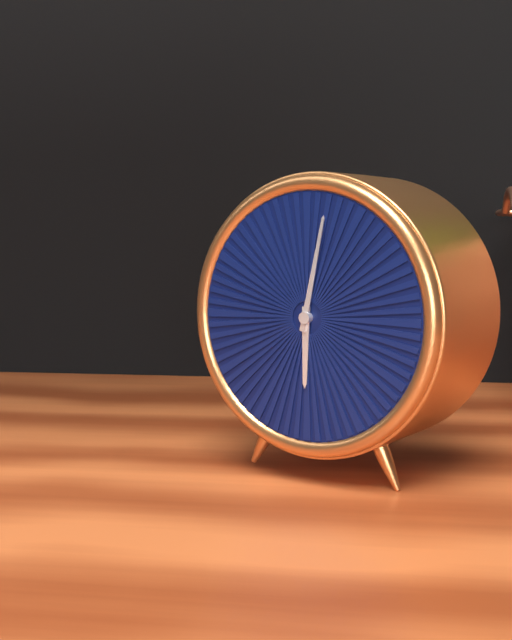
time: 6:02
